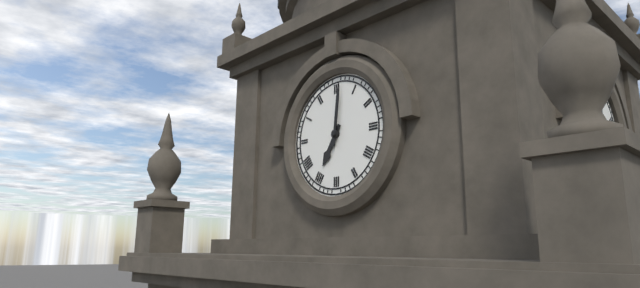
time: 7:01
